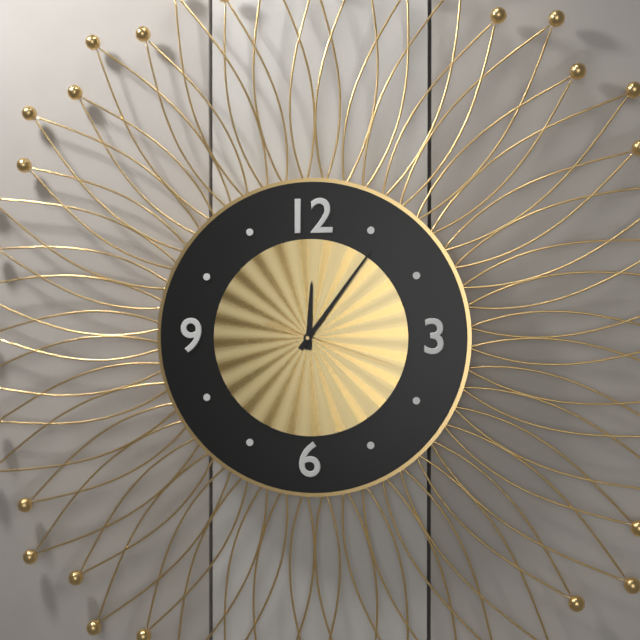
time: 12:06:18
